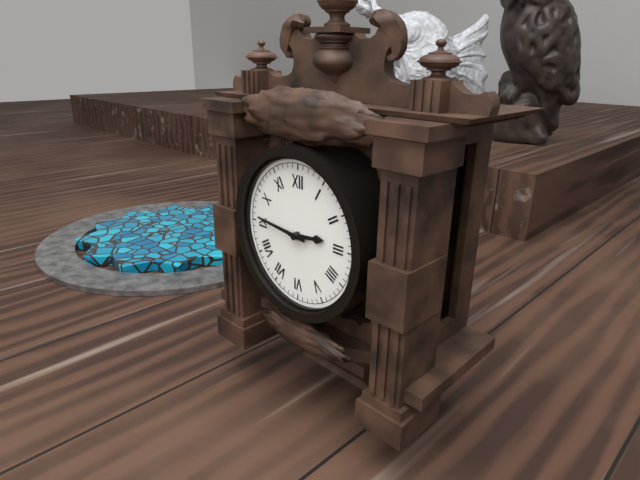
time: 2:46
